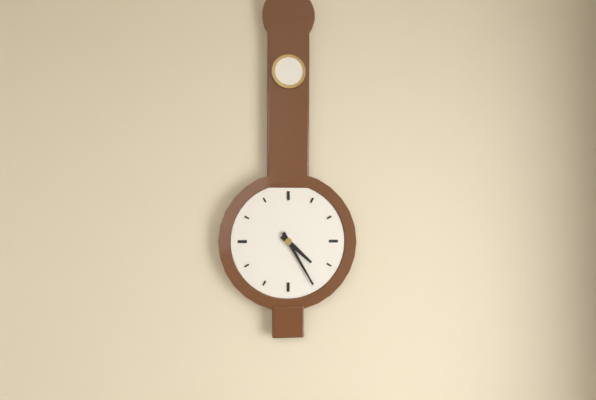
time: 4:25
